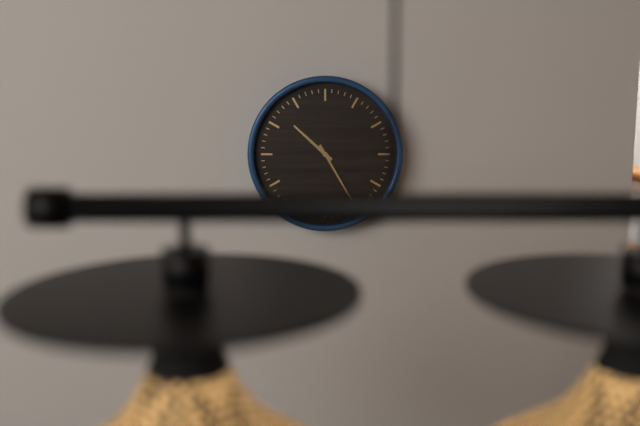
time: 10:25
